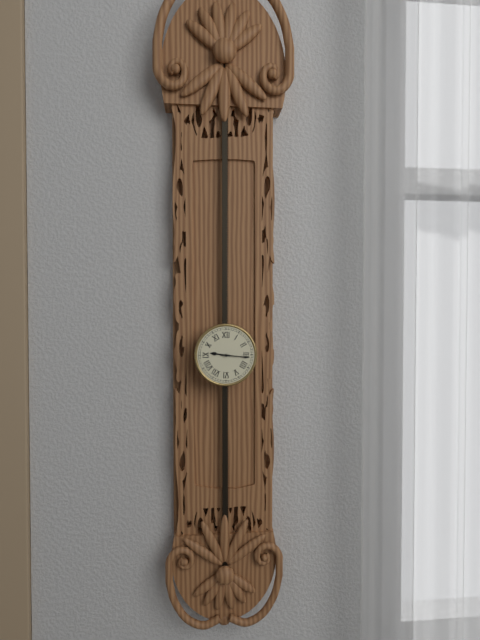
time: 9:16
